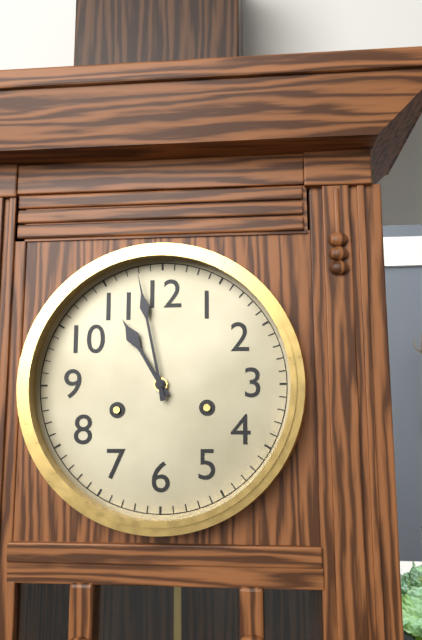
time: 10:58
